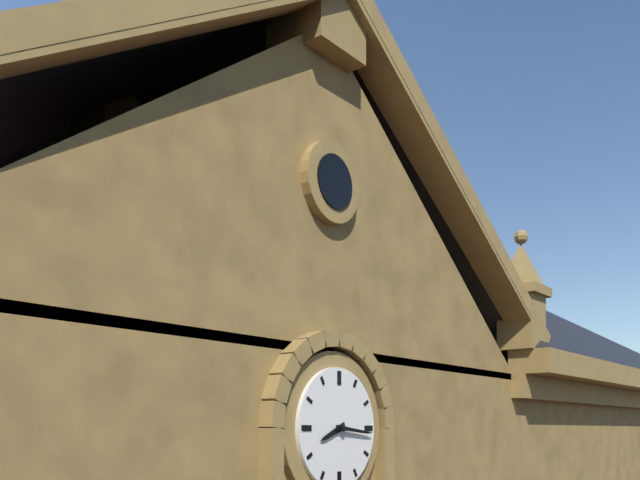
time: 8:16
